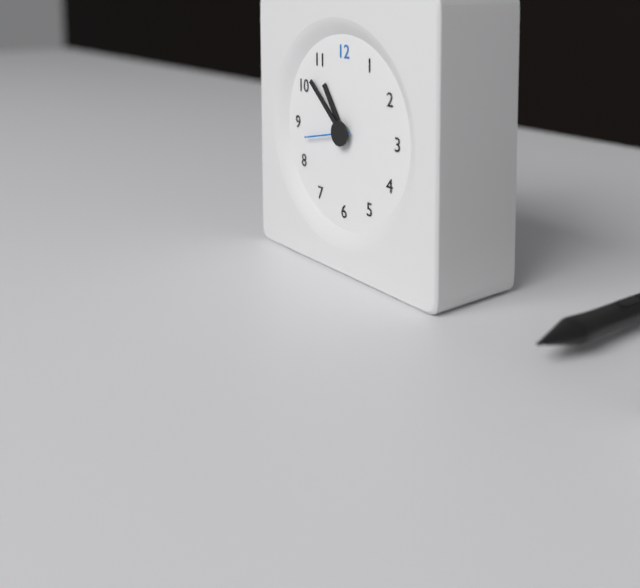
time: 10:52:43
